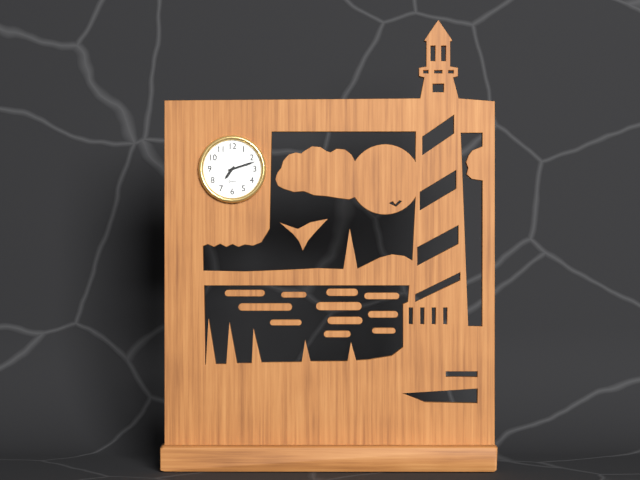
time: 7:12
